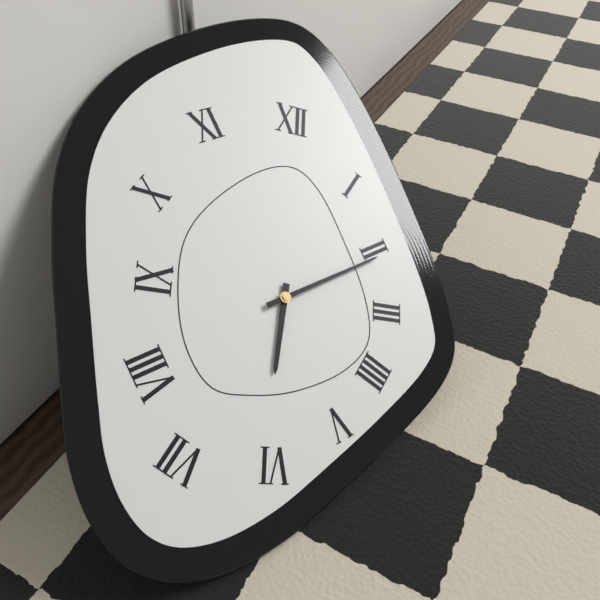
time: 6:10
